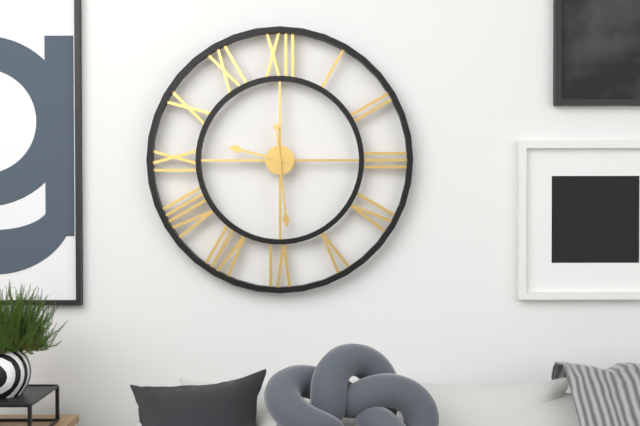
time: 9:29
